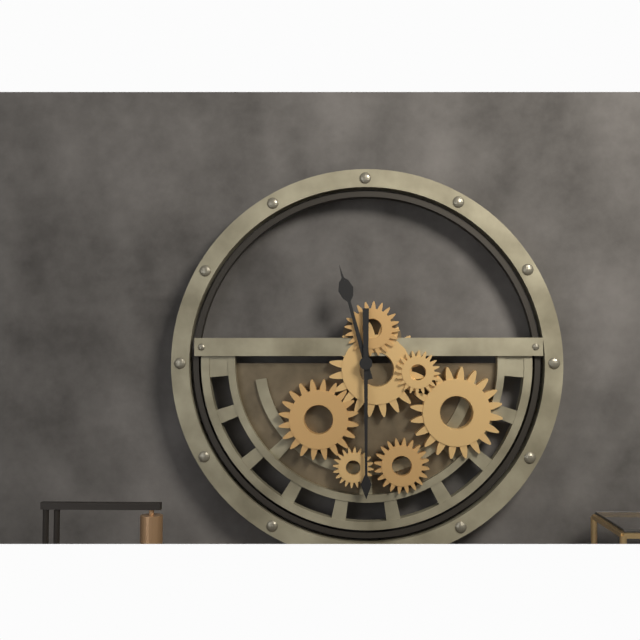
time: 11:30
